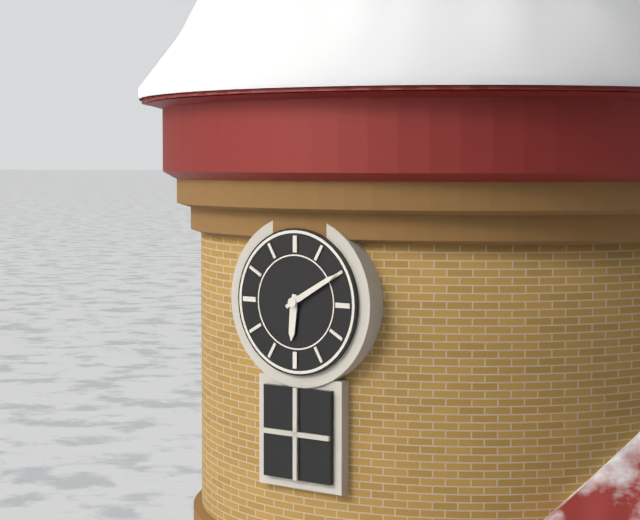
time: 6:10
